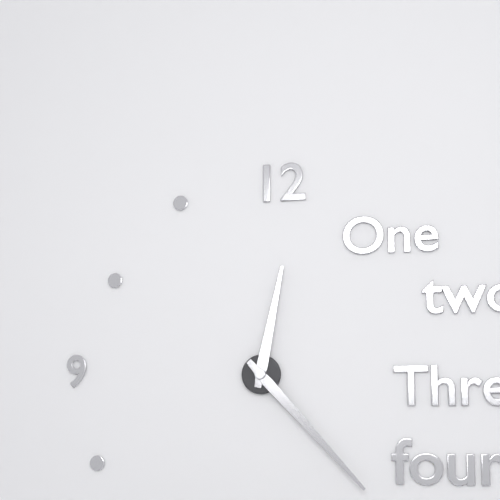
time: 12:23
